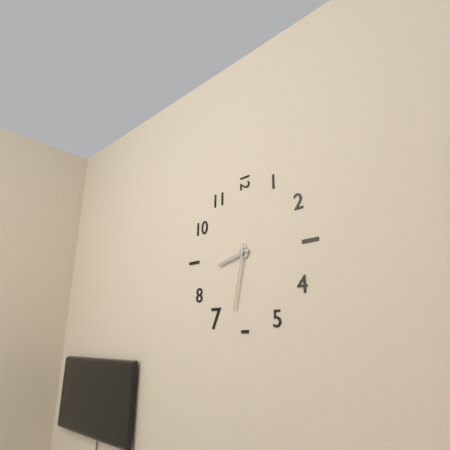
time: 8:32
